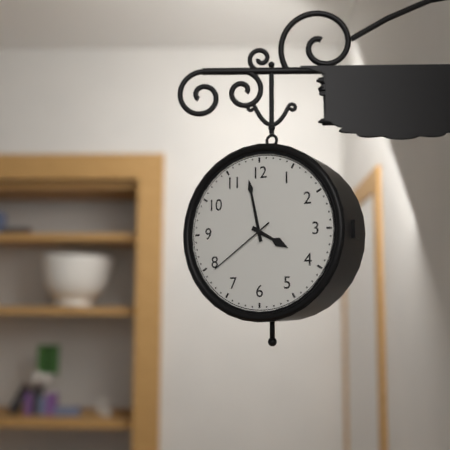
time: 3:58:39
